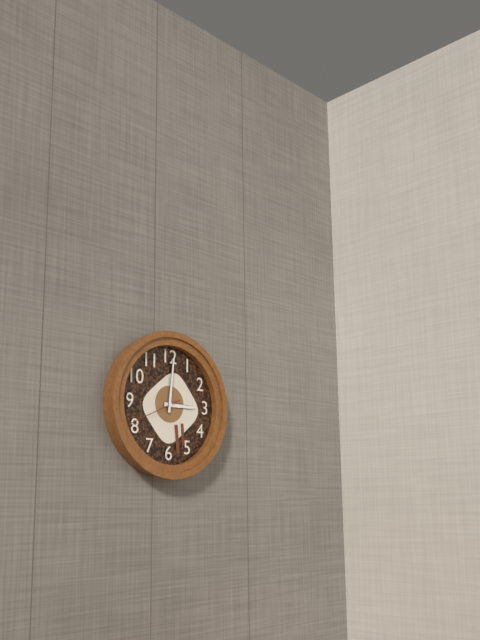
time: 3:01:41
